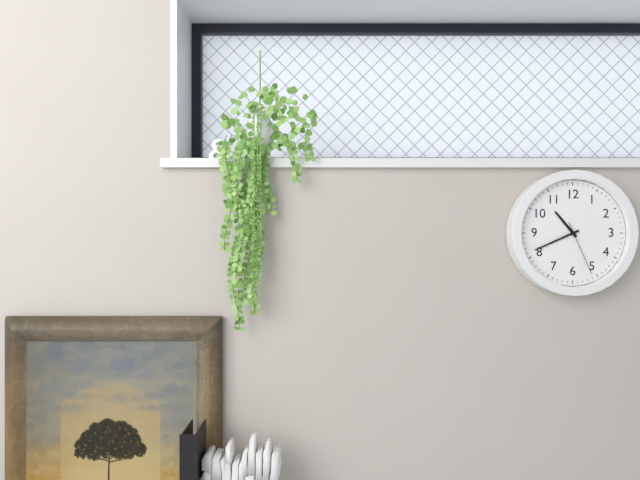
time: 10:41:26
